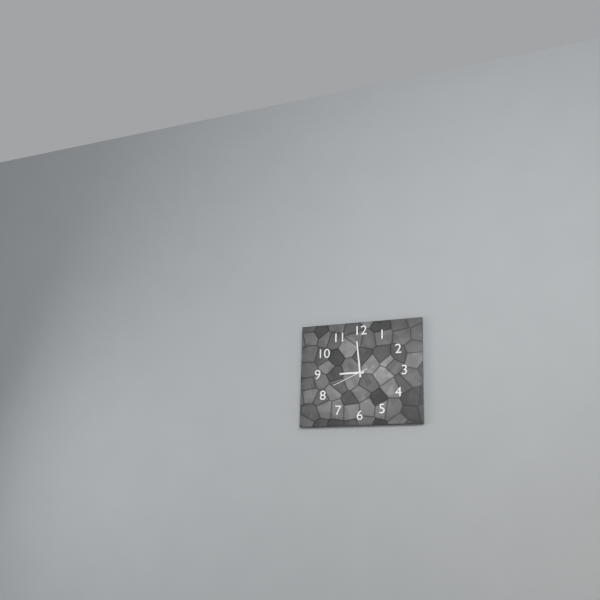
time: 8:59
